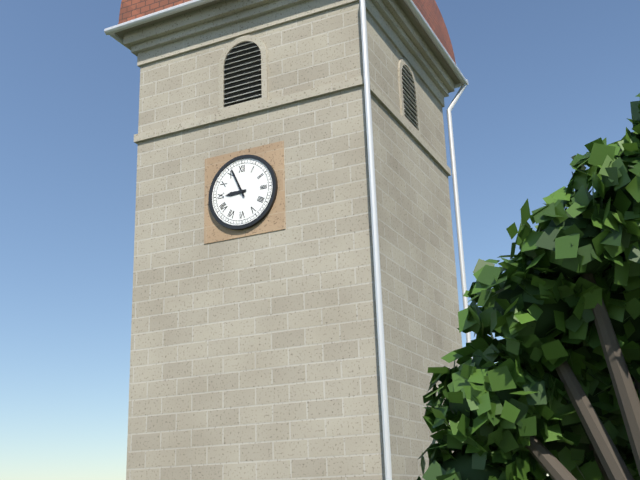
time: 8:56
